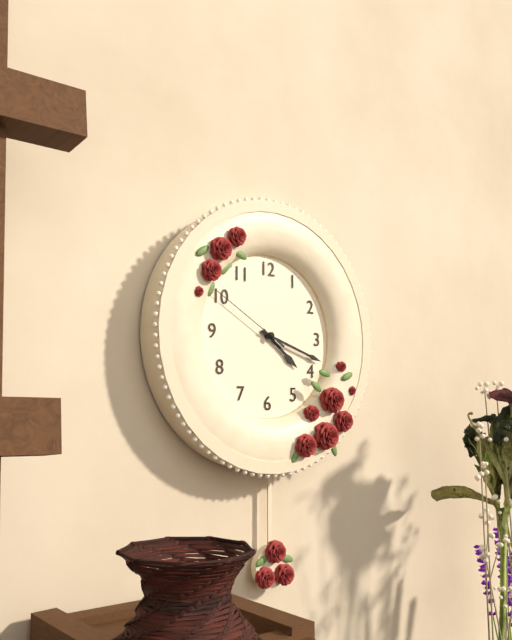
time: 4:18:50
